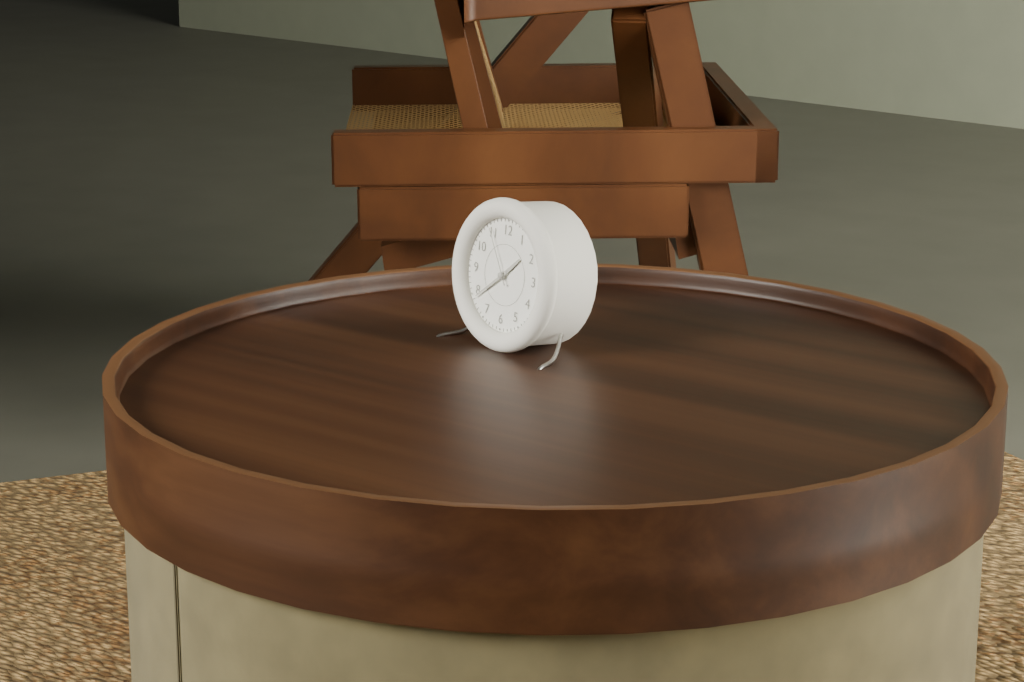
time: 1:39:55
